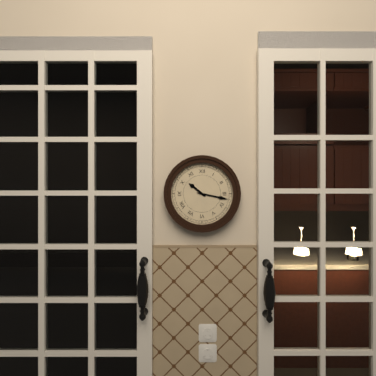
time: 10:17
